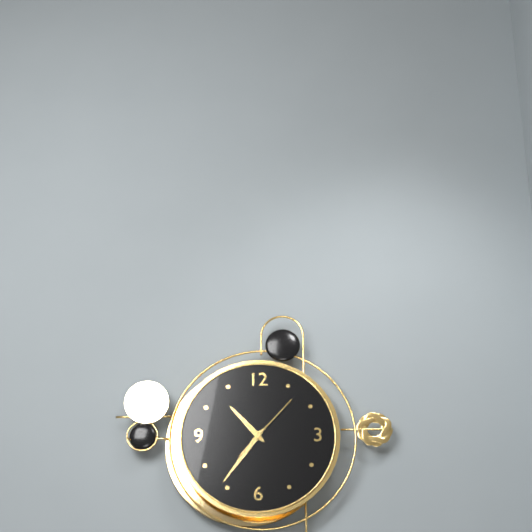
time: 10:36:07
